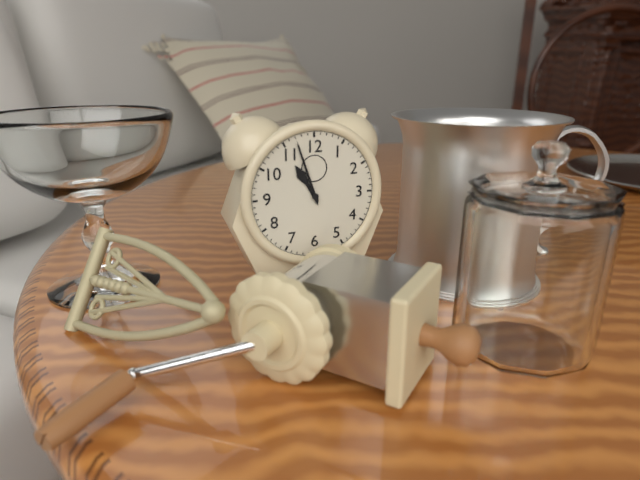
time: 10:57
